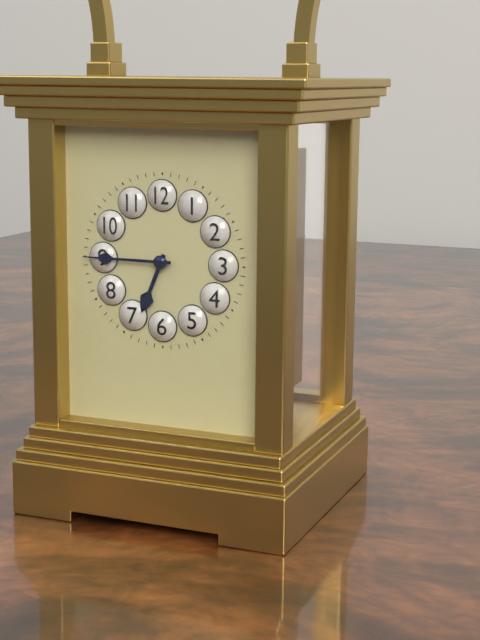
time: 6:45
